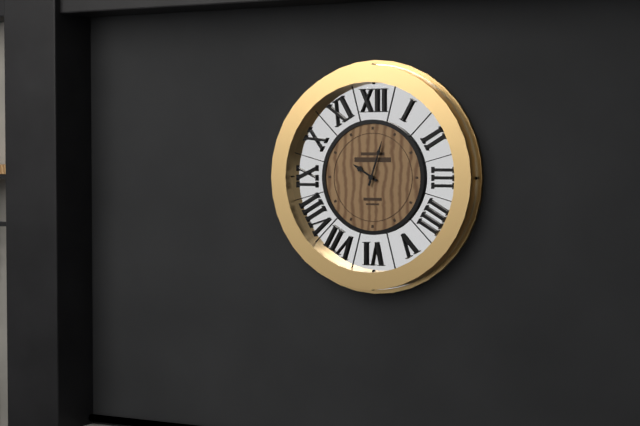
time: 10:03
